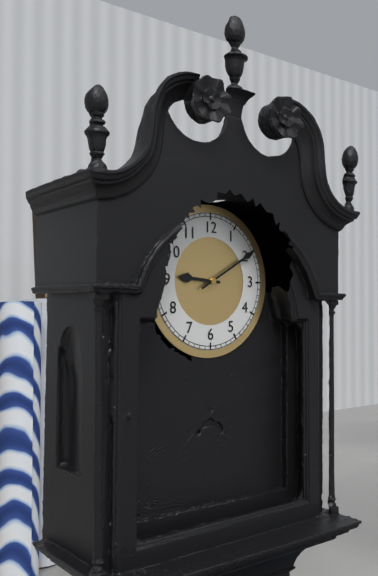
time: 9:10
